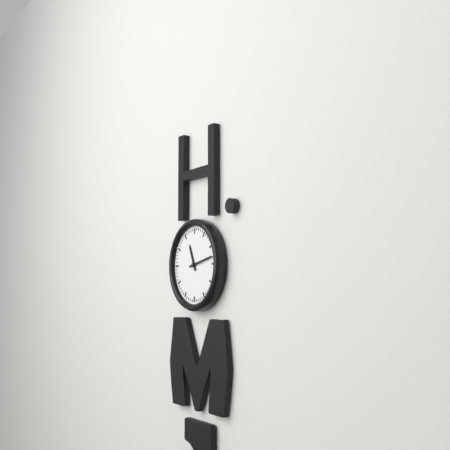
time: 11:13
